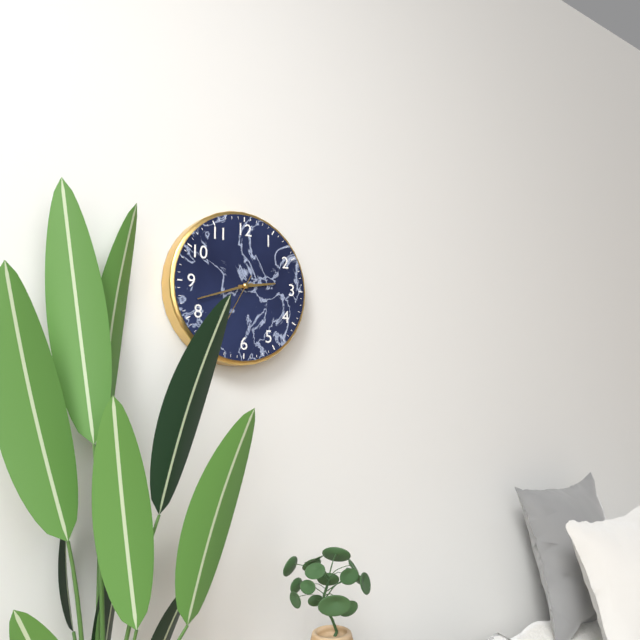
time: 2:42
